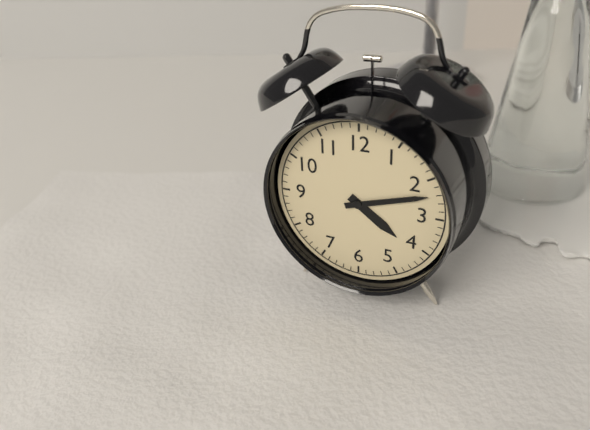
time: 4:12
